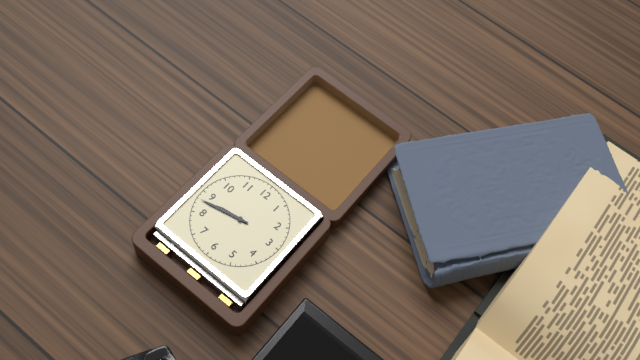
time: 8:43
